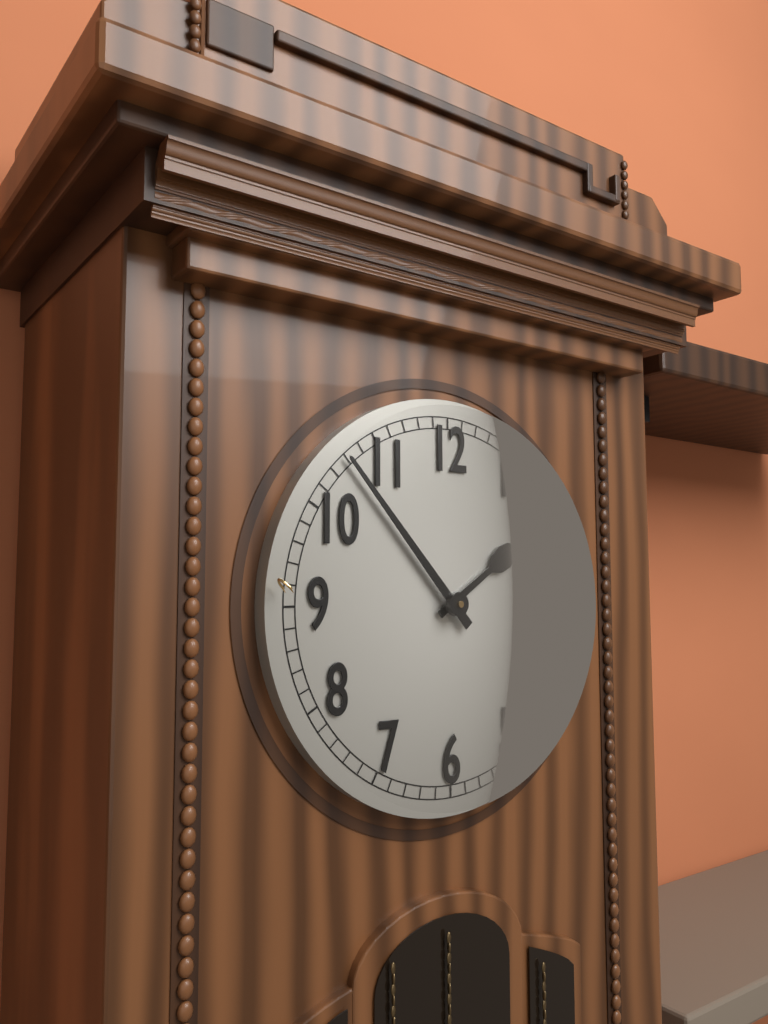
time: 1:53
